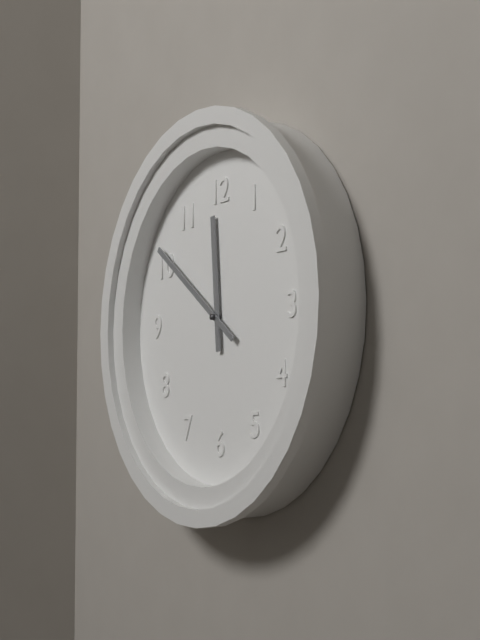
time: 11:51
